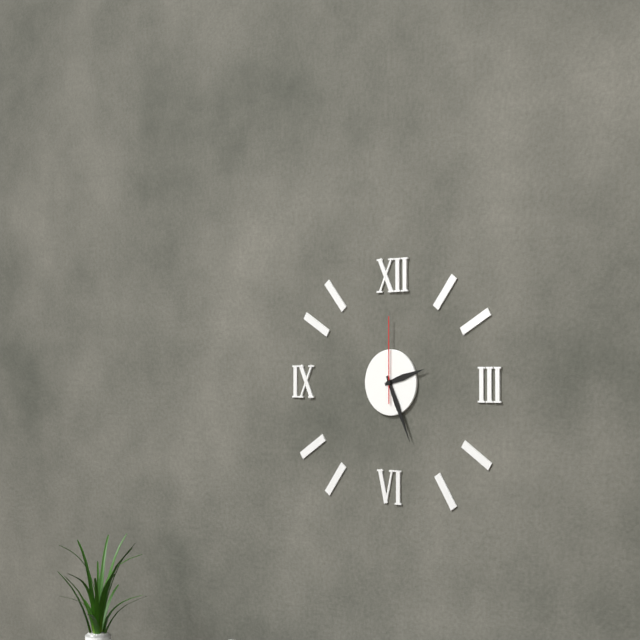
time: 2:26:00
